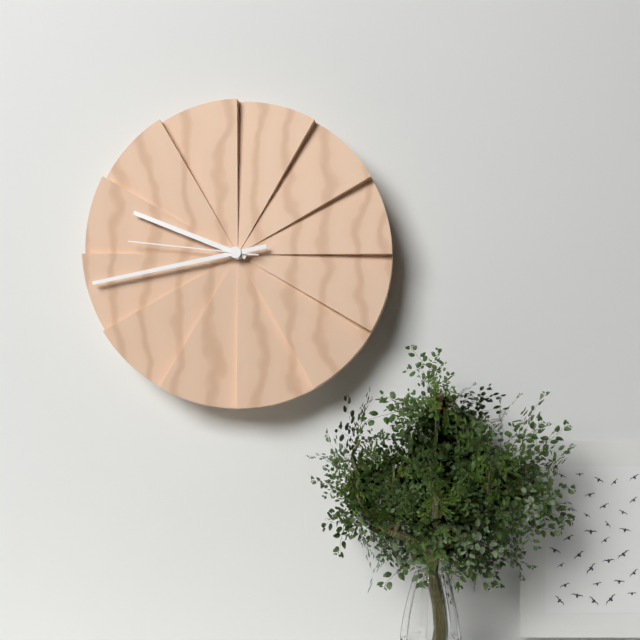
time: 9:43:46
